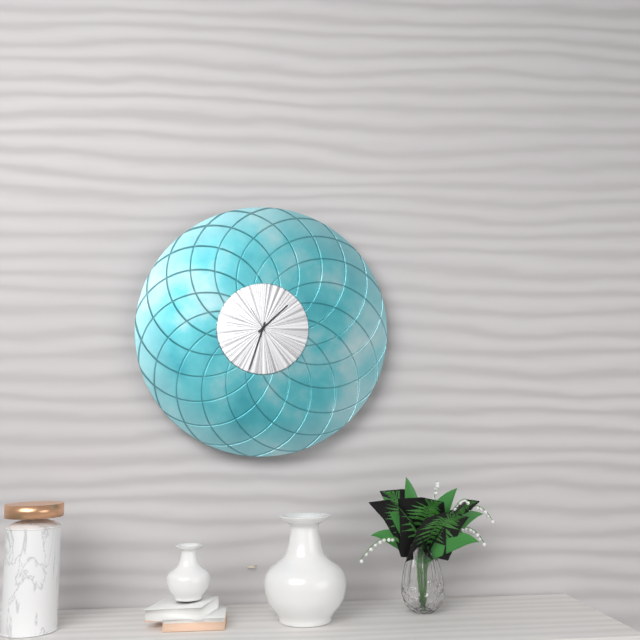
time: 1:33
